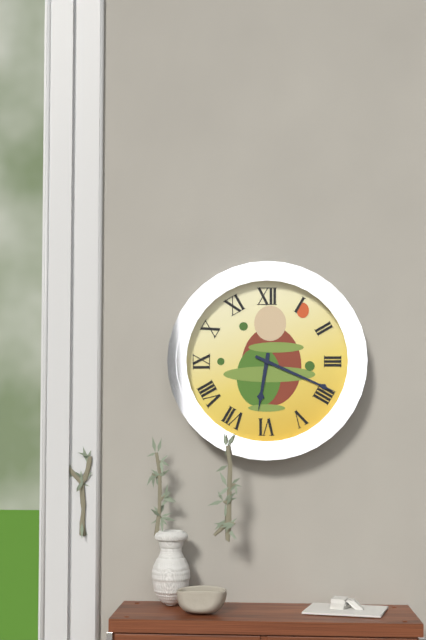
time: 6:19
